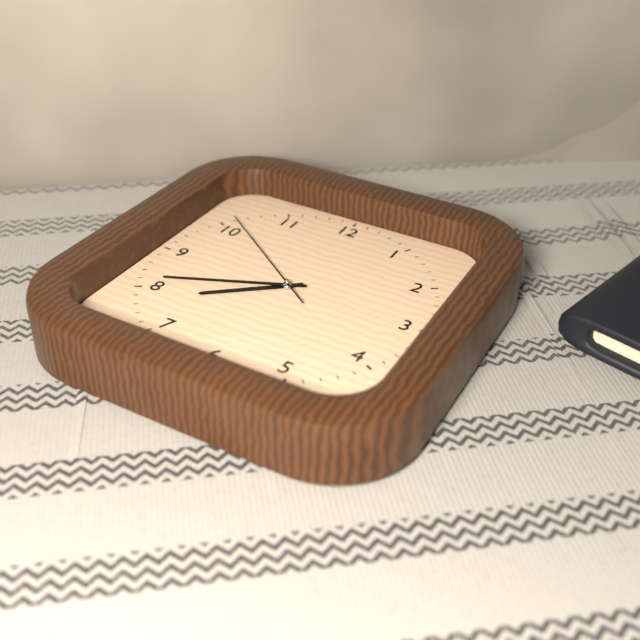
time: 7:41:51
